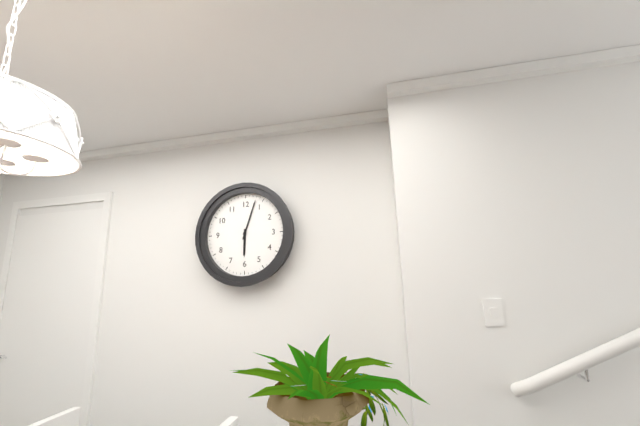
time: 6:03
